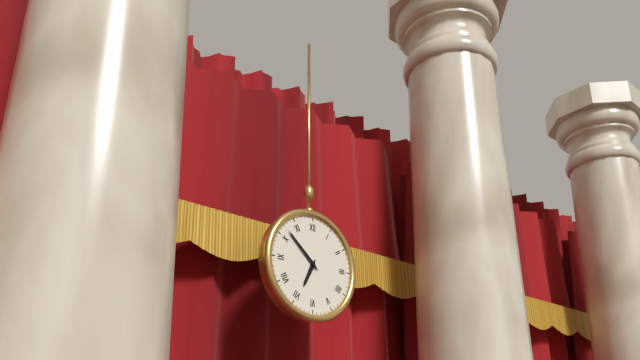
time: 6:52
